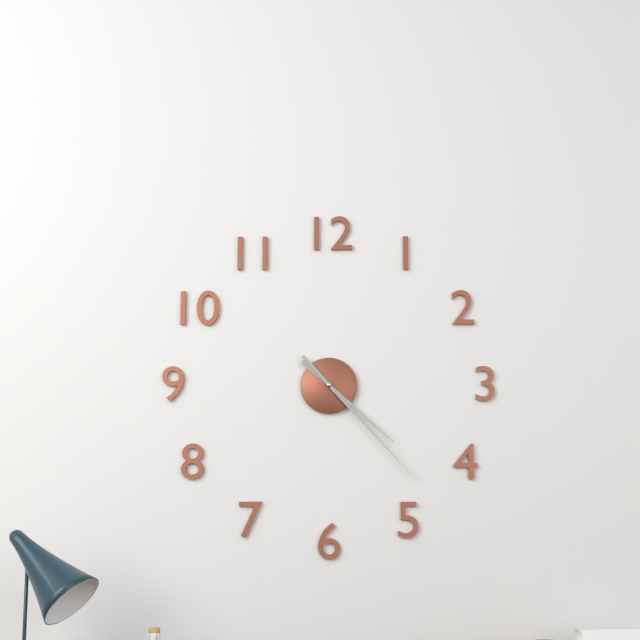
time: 4:23
